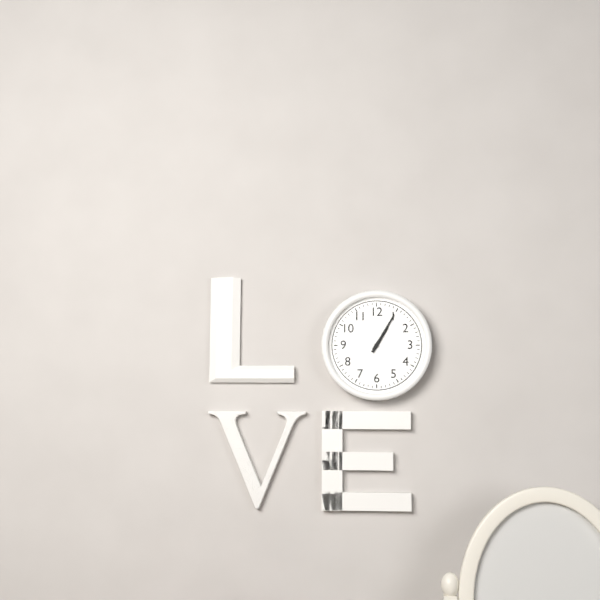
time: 1:05
